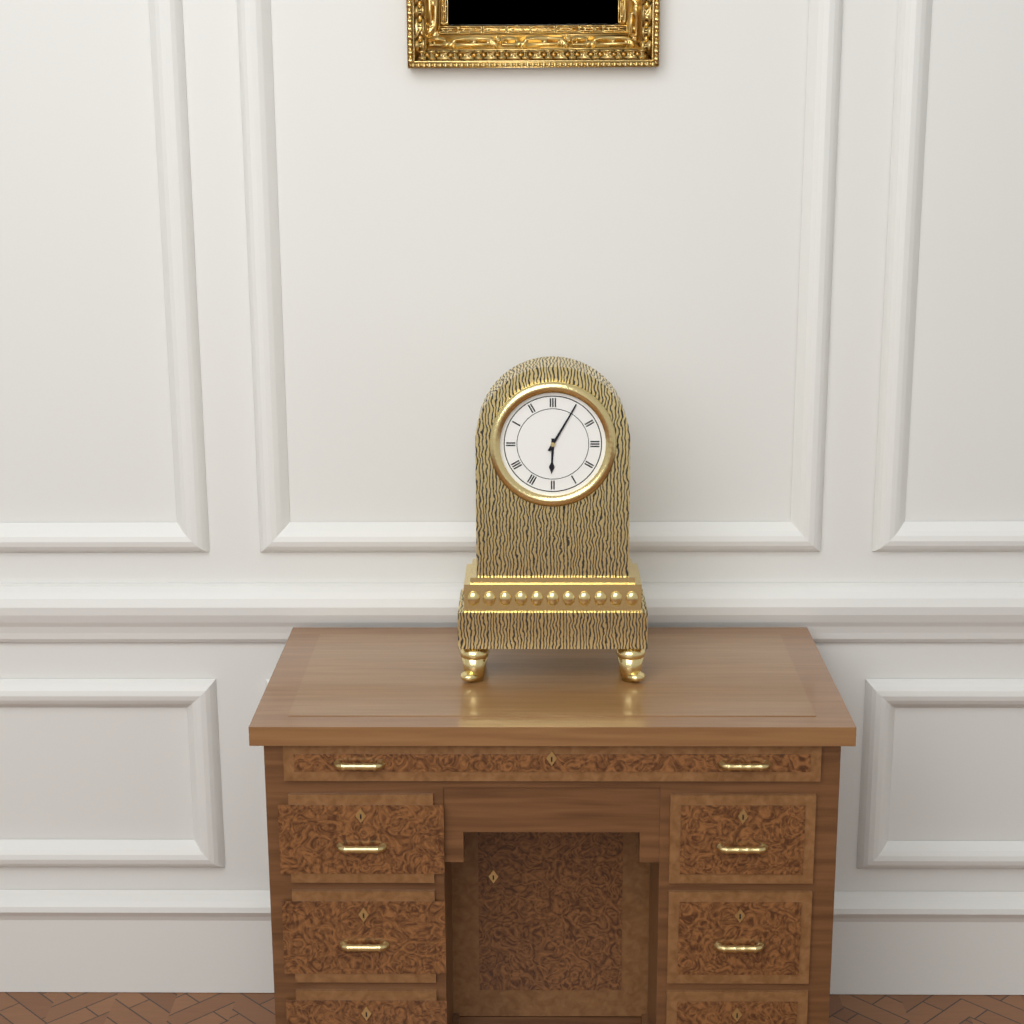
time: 6:05
